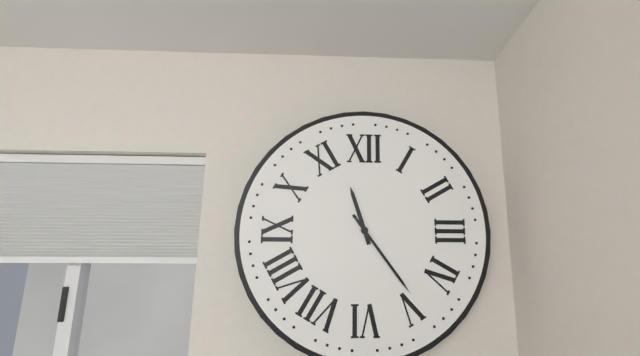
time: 11:24
